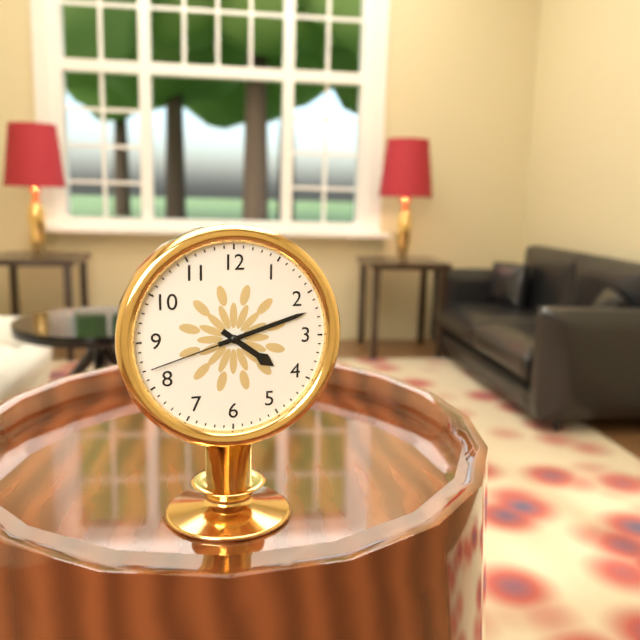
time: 4:12:42
